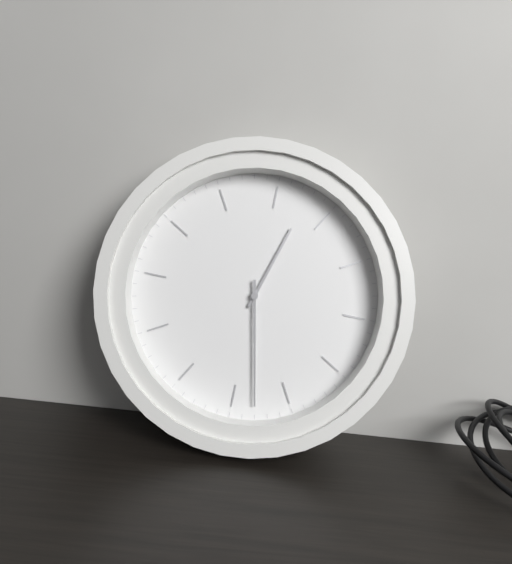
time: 1:33
